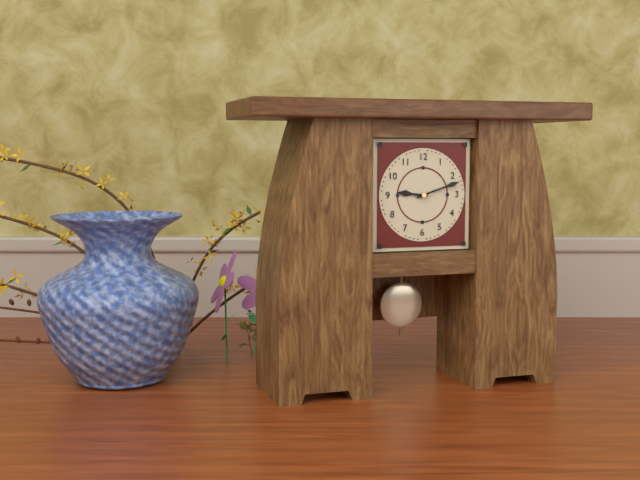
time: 9:12
